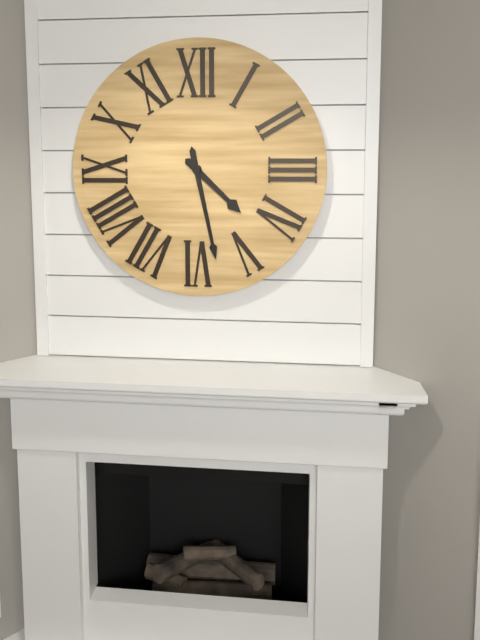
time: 4:28
